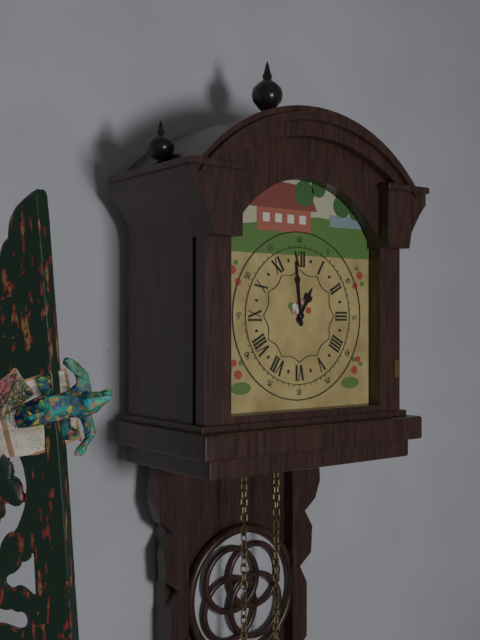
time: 12:59
